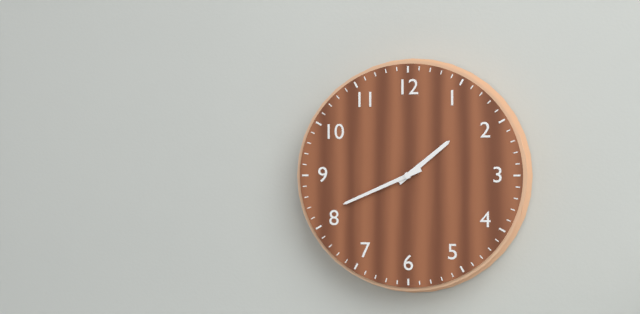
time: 1:41
